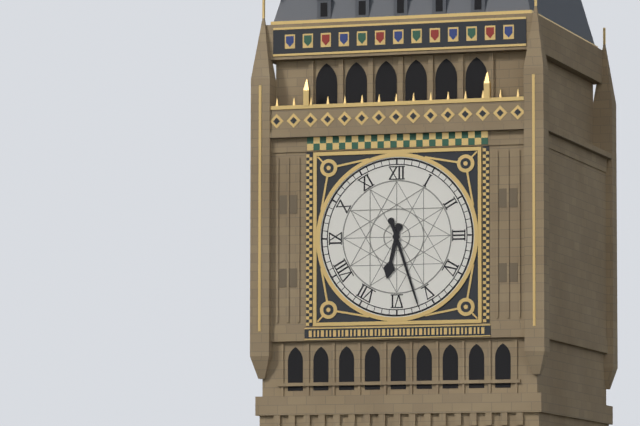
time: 6:27
